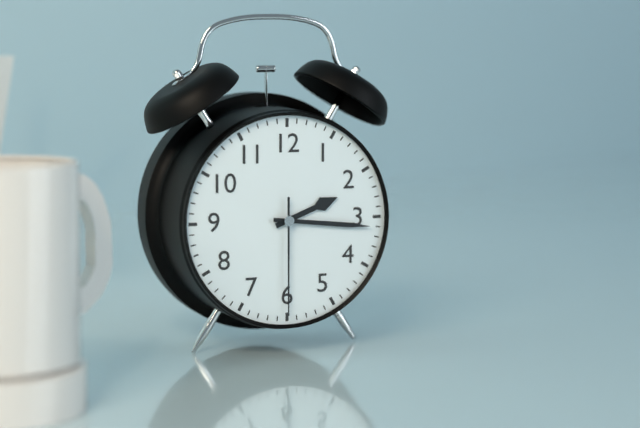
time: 2:16:30
